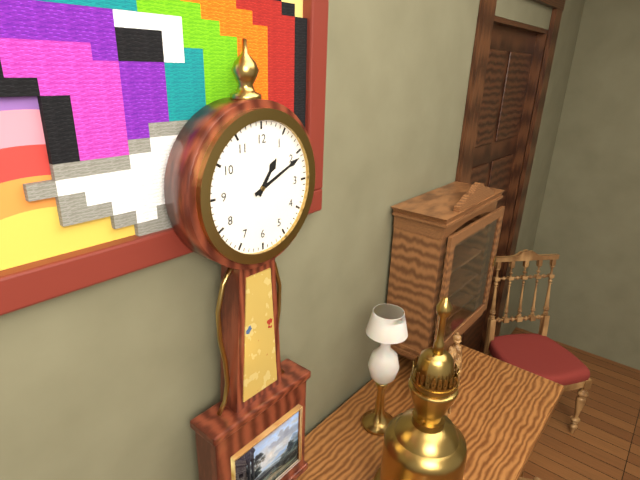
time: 1:11
